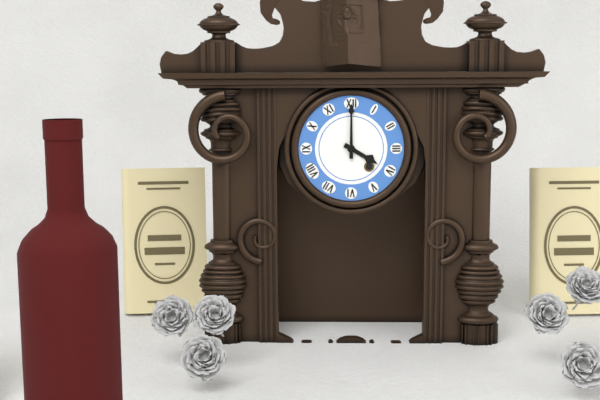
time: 4:00
